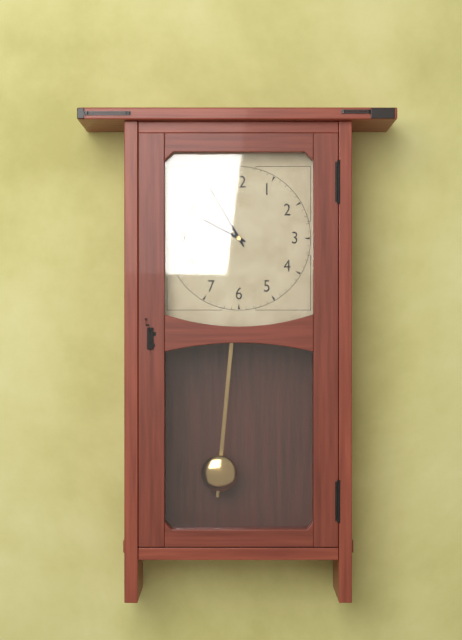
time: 9:55
